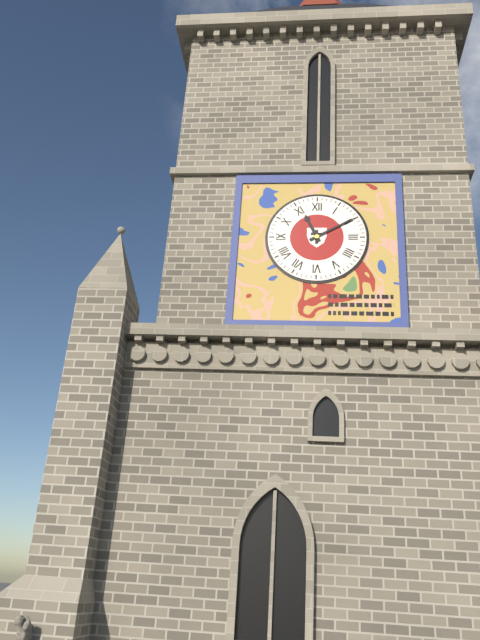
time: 11:10
